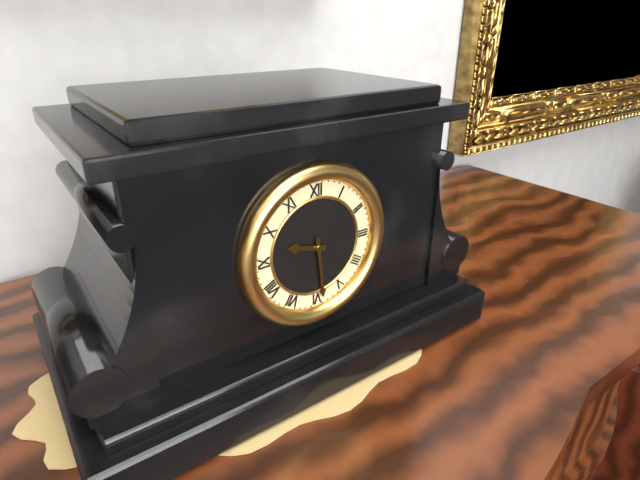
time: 9:29
